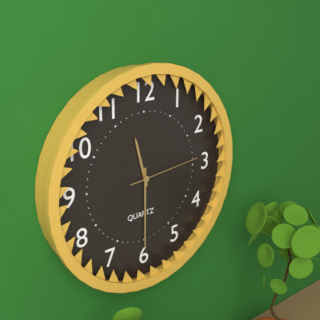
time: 11:30:14
